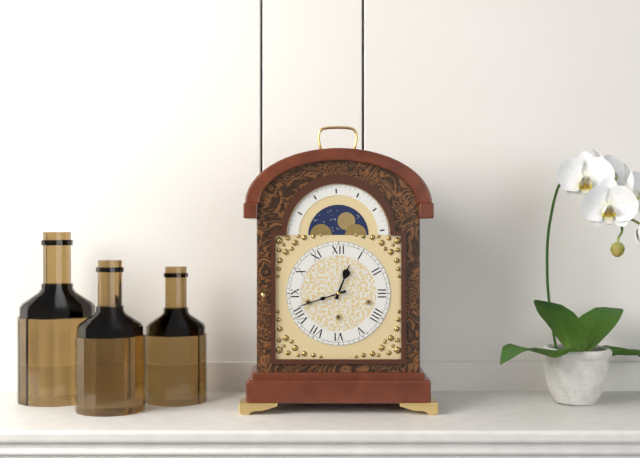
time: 12:42
